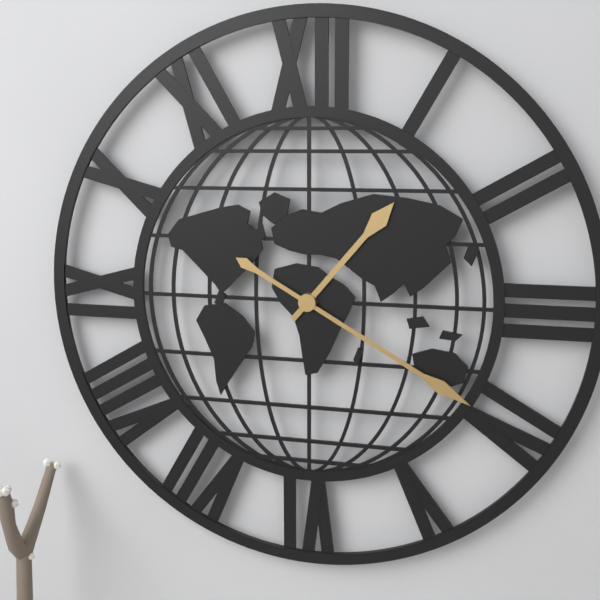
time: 1:20
